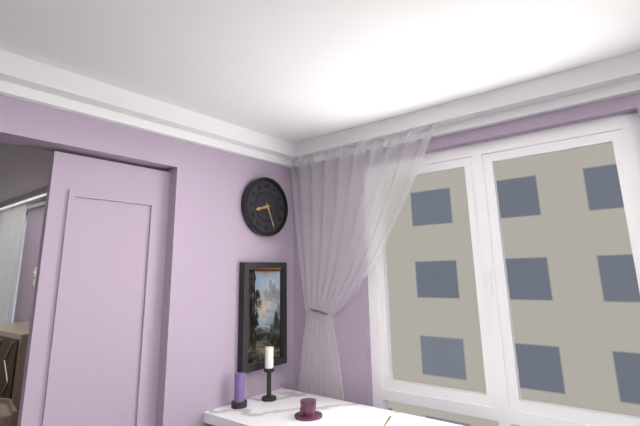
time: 8:26
